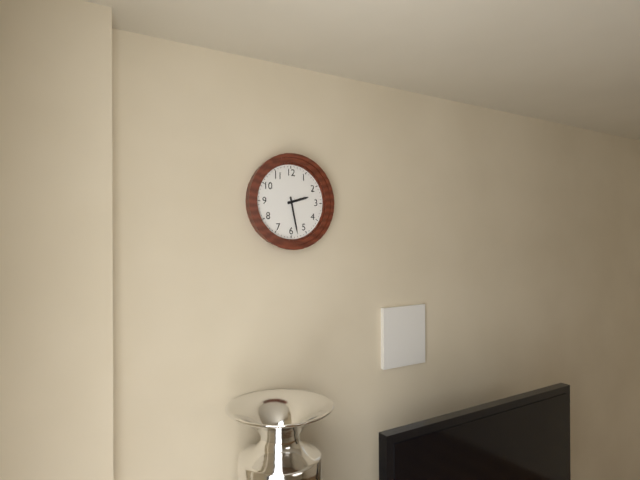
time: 2:28
